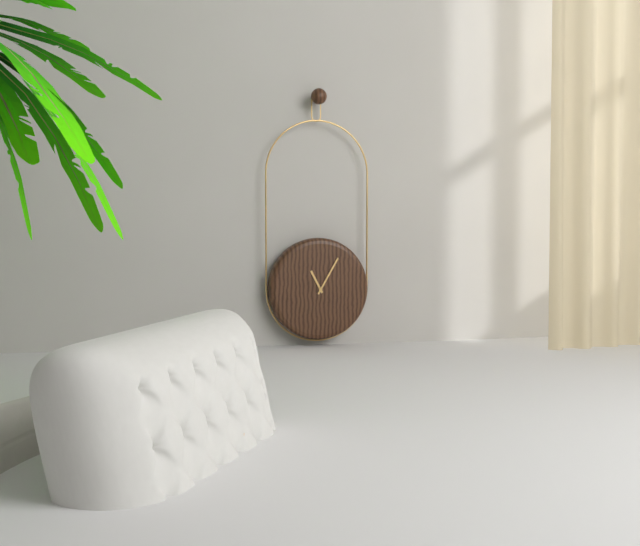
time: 11:05
